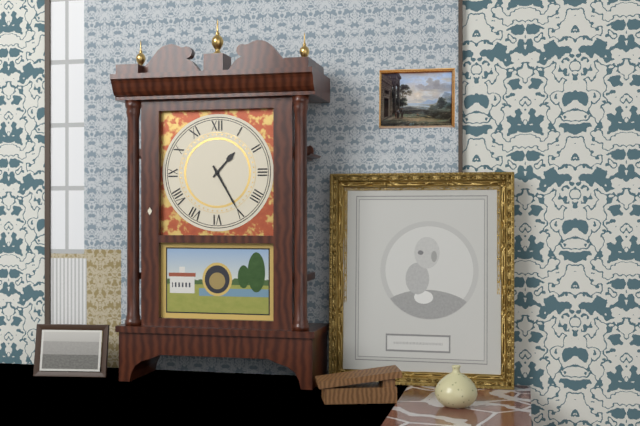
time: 1:25
